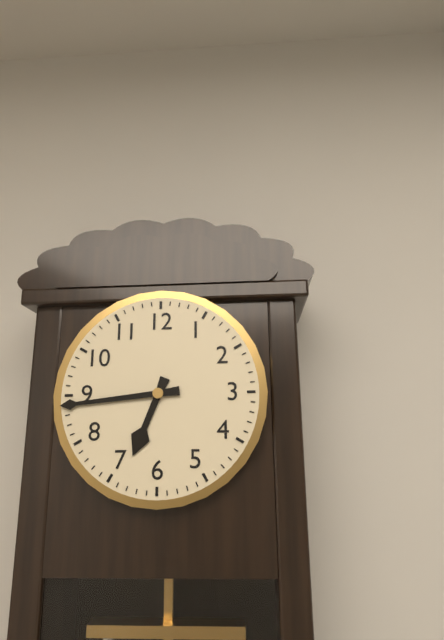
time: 6:44
